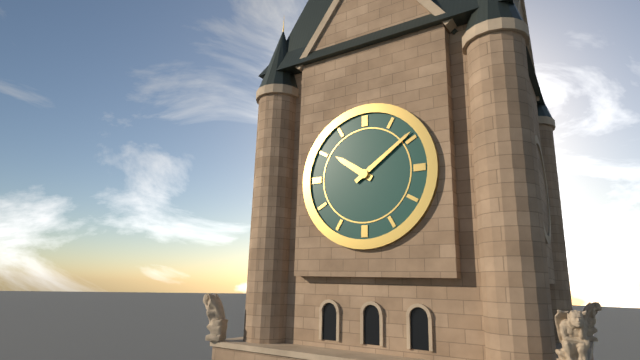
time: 10:09
